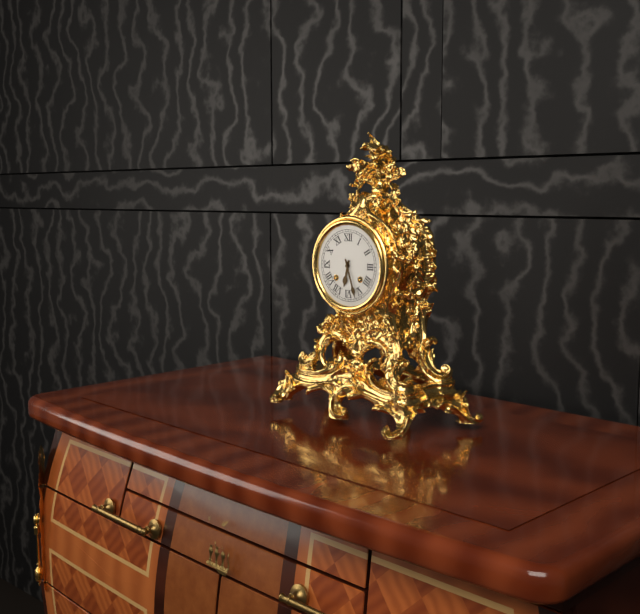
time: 6:27
